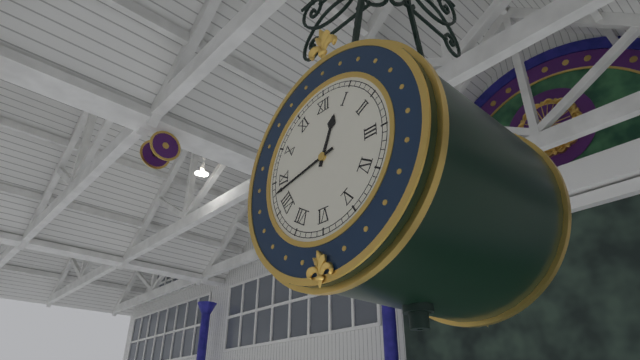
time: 12:43
